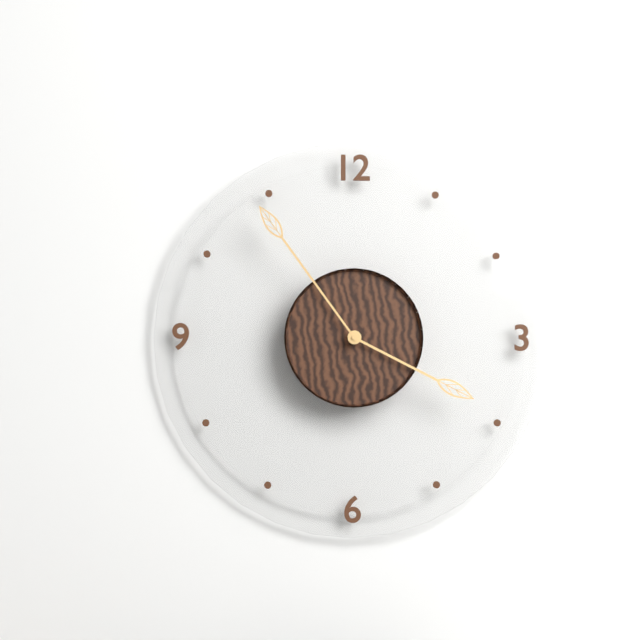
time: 3:54
